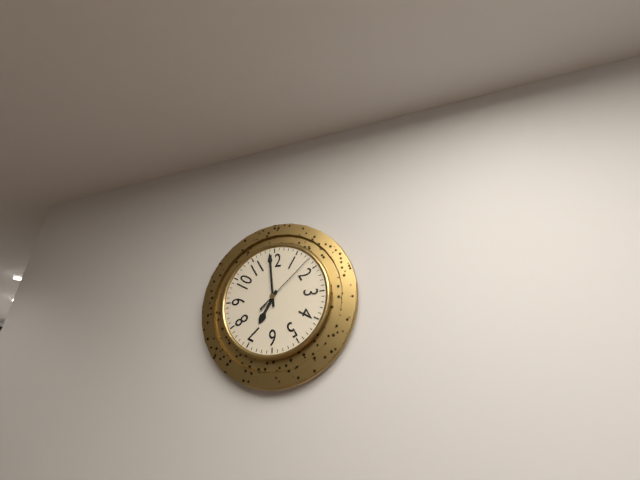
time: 6:59:08
